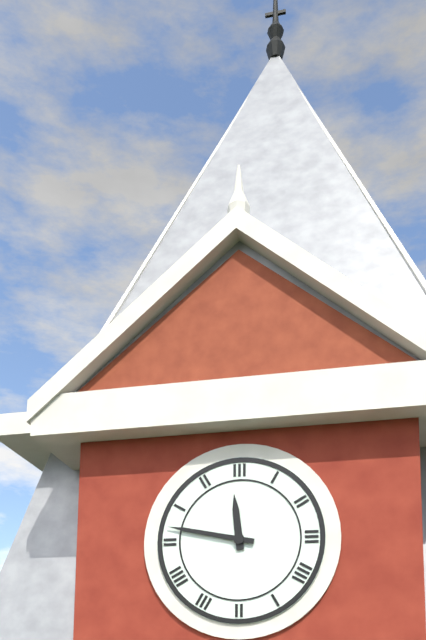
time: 11:47
